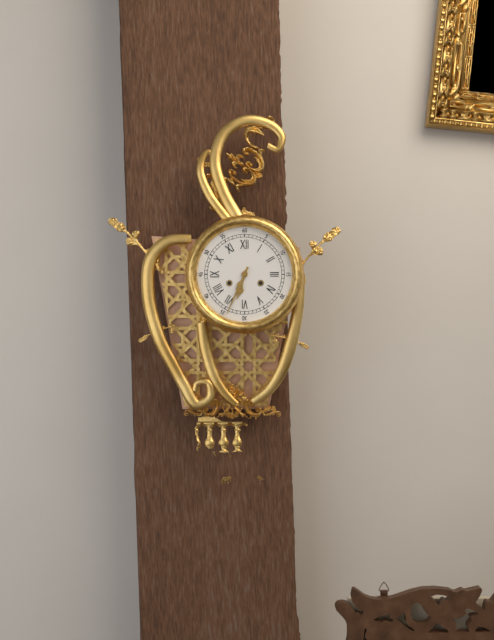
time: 6:34
